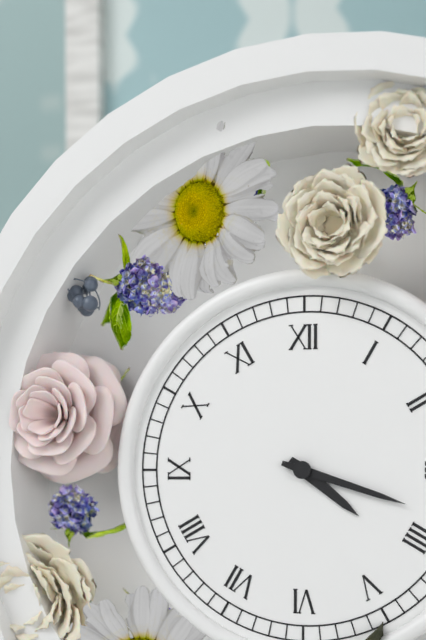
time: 4:18
